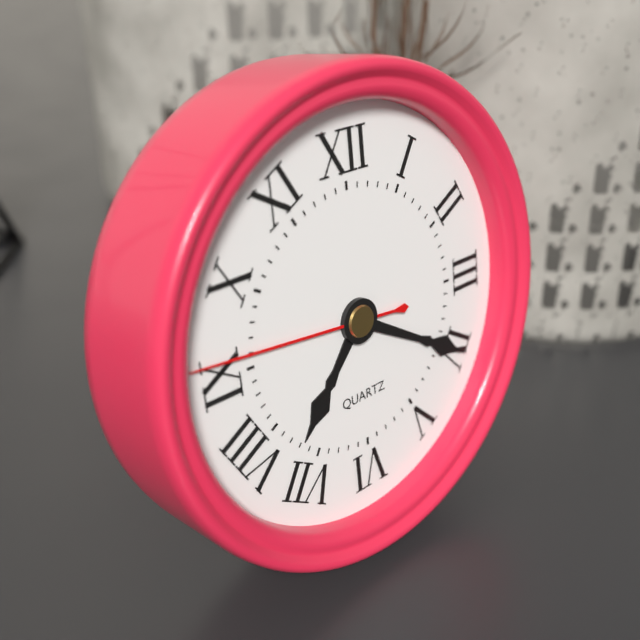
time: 7:20:46
